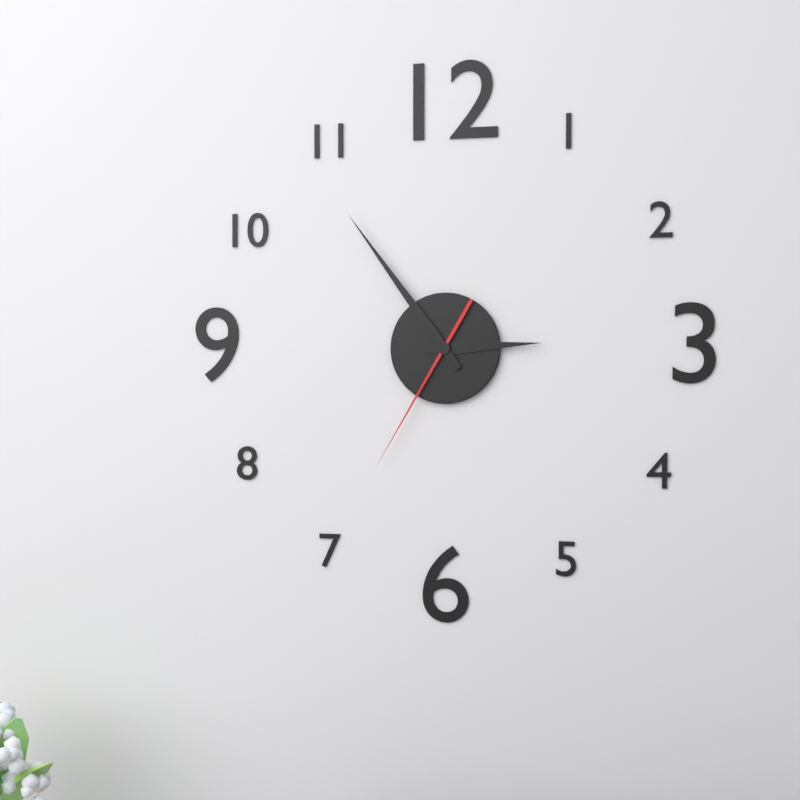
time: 2:54:35
